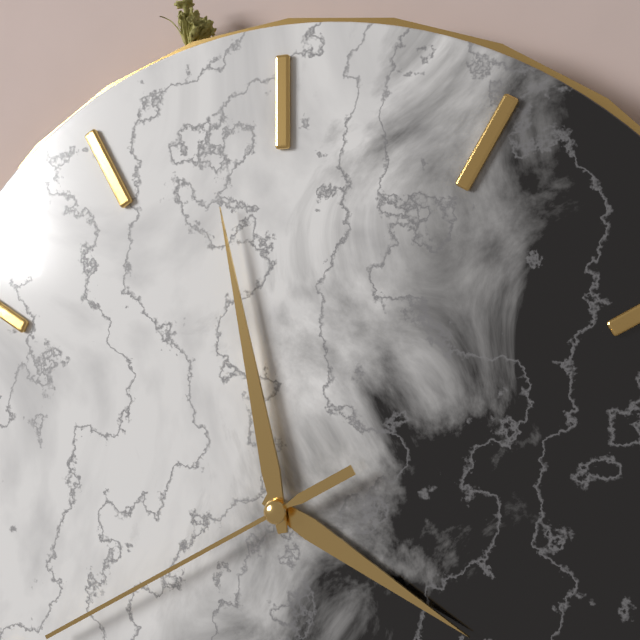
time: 3:58:40
